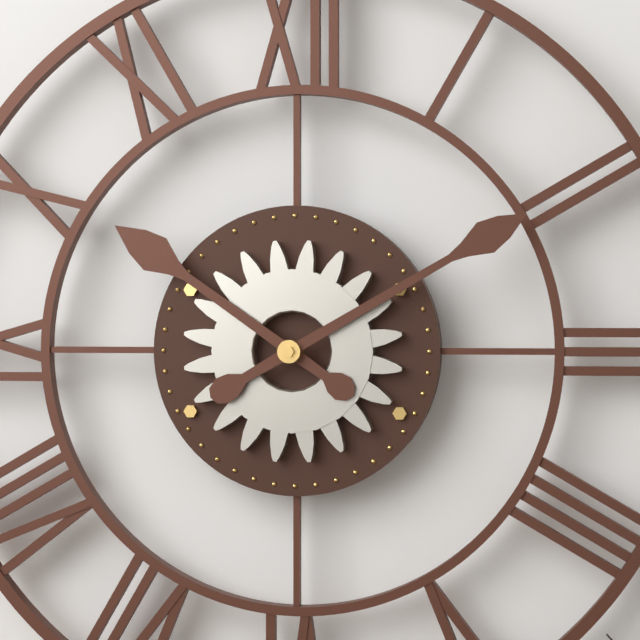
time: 10:10
